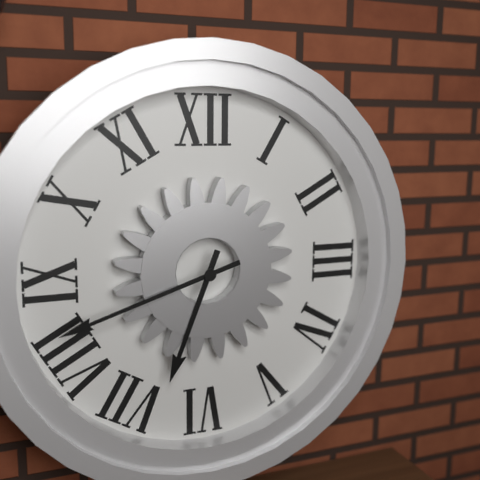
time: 6:42
